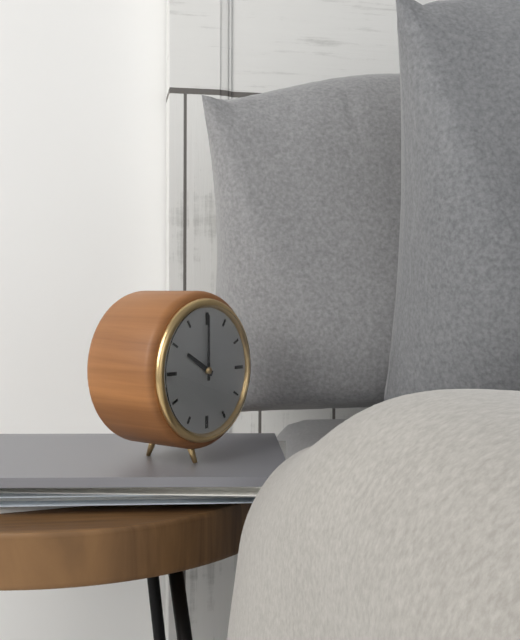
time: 10:00
